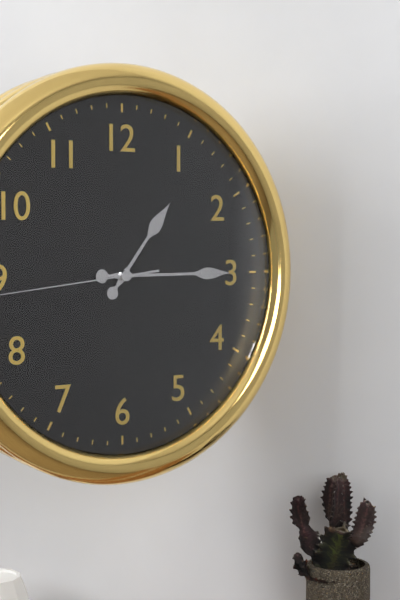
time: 1:15
